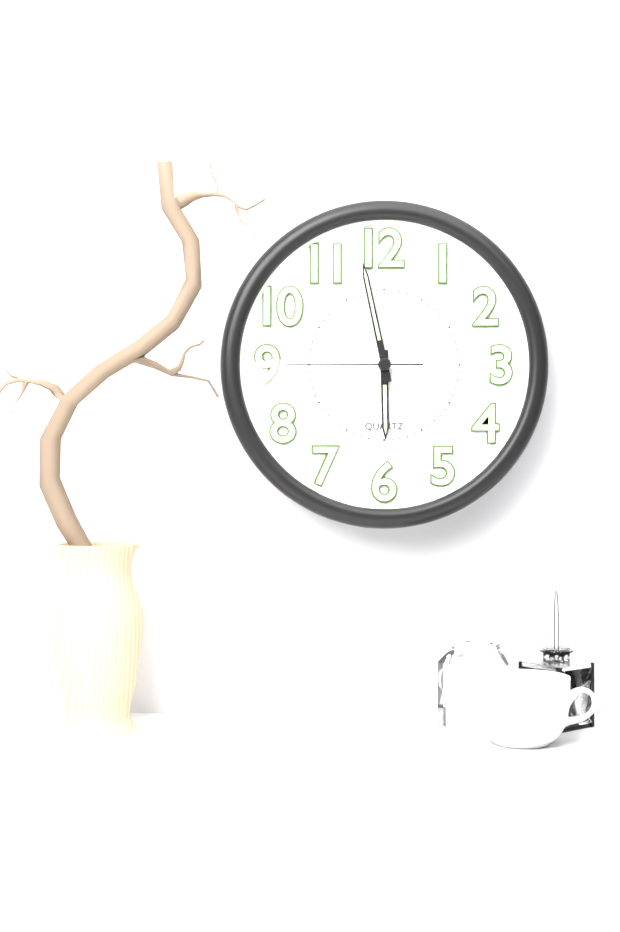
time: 5:58:45
